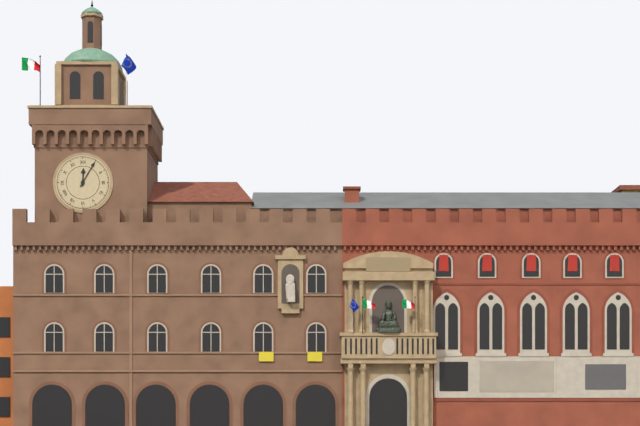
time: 12:05
